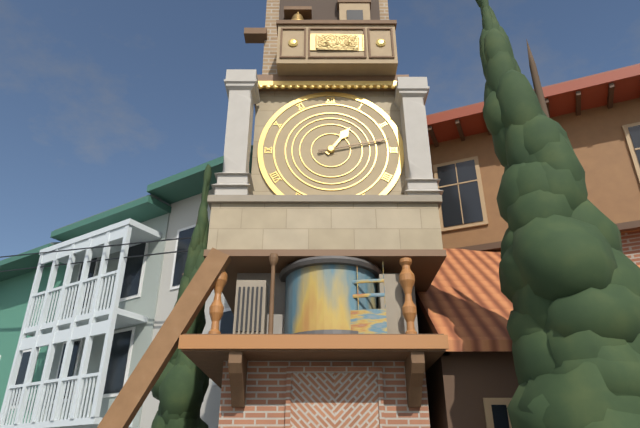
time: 1:13
